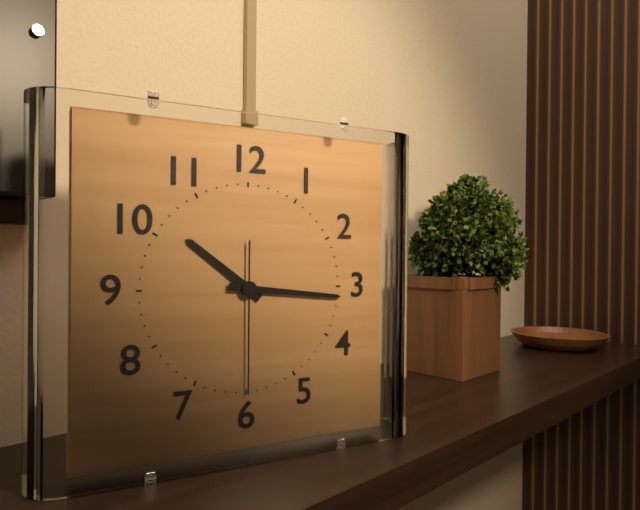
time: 10:16:30
